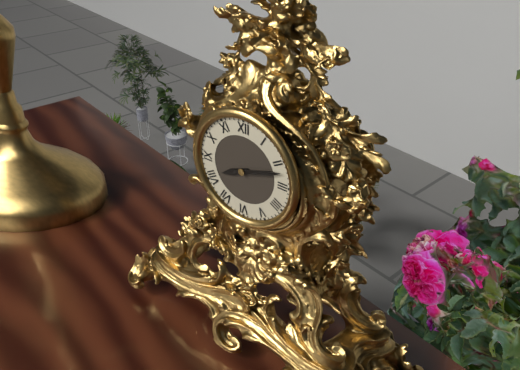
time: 8:12
